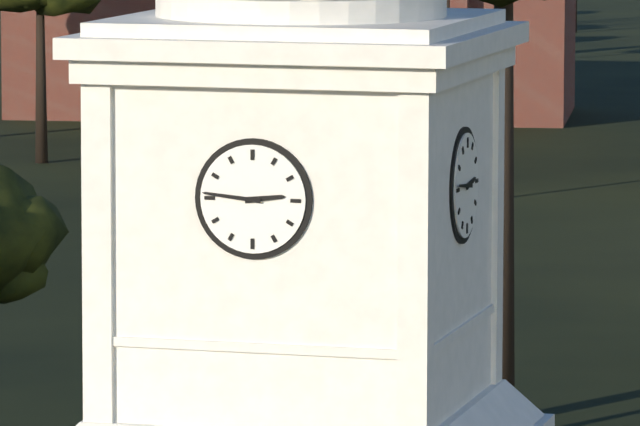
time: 2:46
